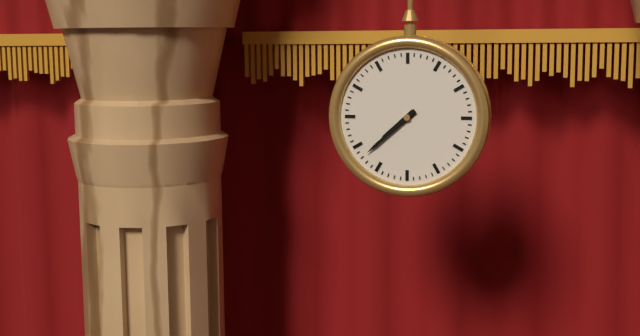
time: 7:38
